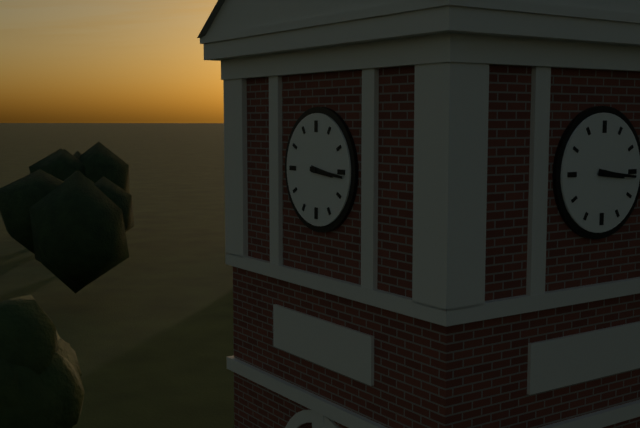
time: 3:16
